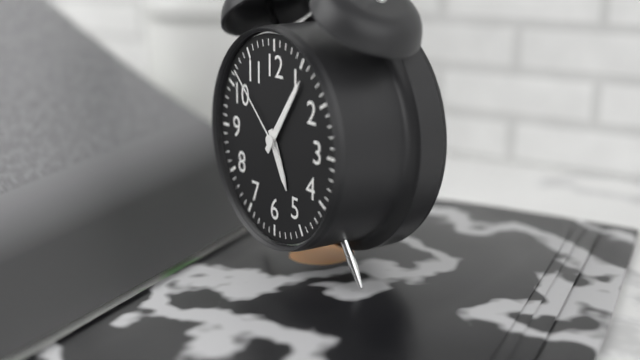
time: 5:06:52
